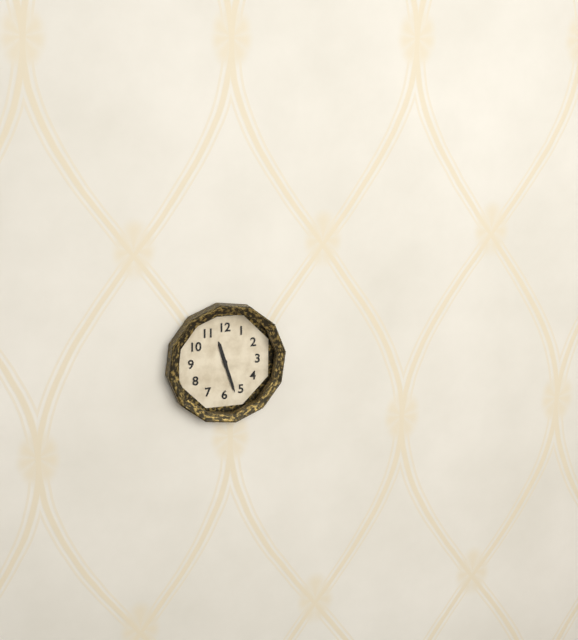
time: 11:27
